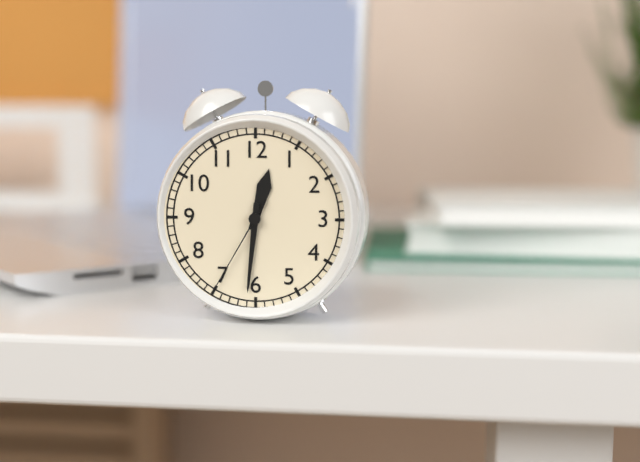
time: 12:31:35
